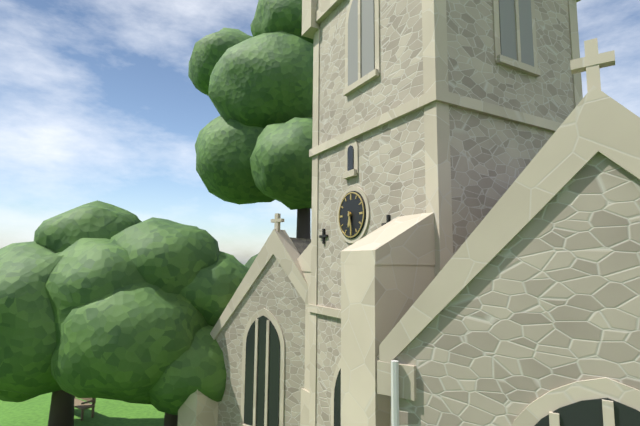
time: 6:28
